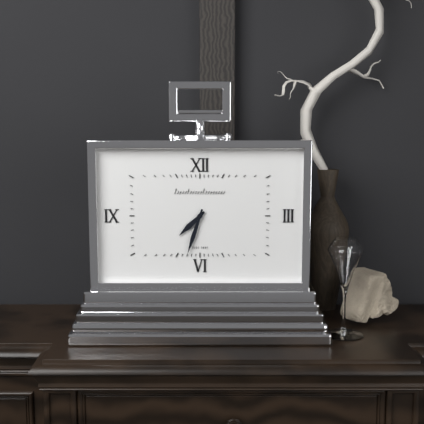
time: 7:33
